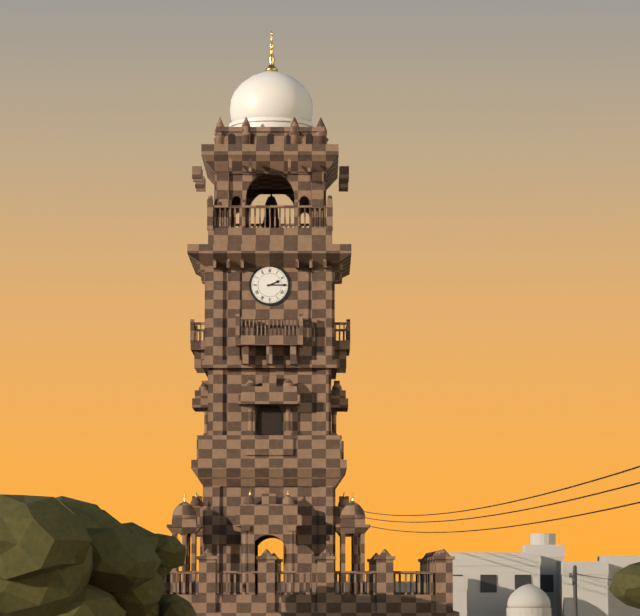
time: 2:15
